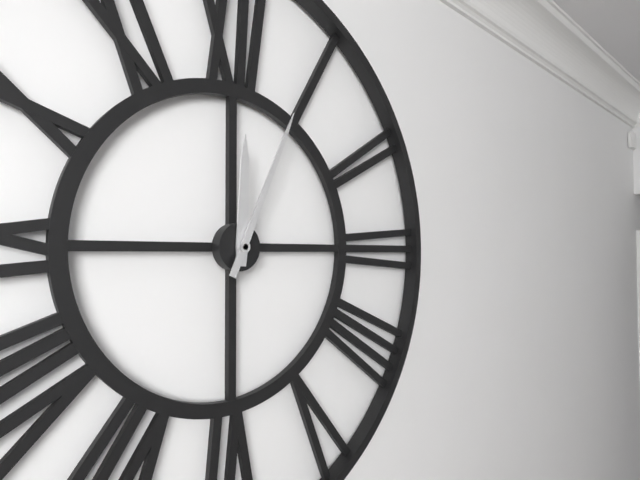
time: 12:04
